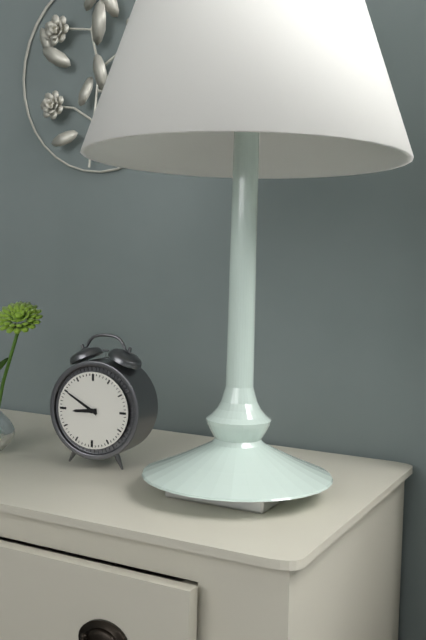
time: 8:50
